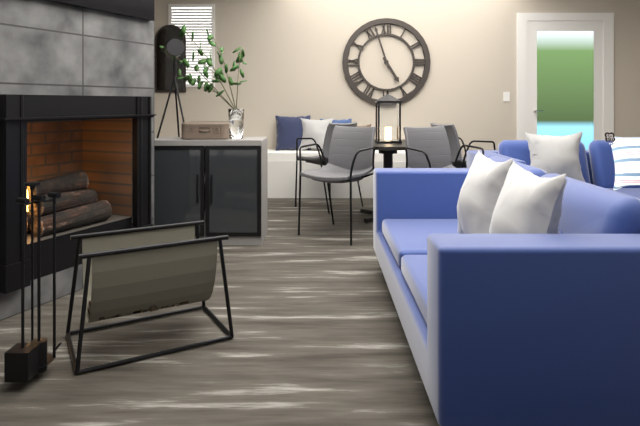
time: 4:57
